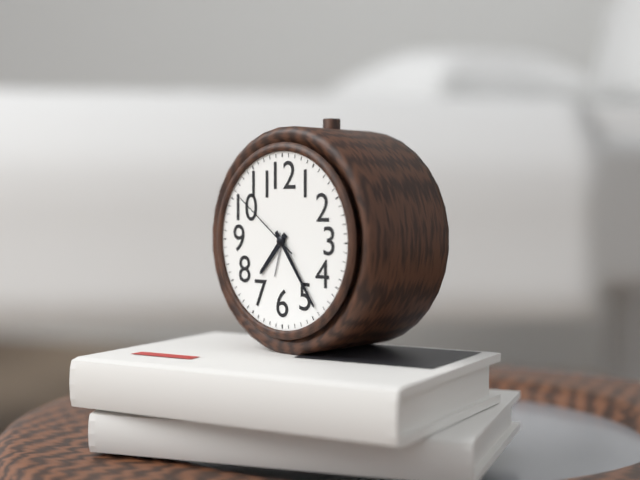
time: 7:24:51
